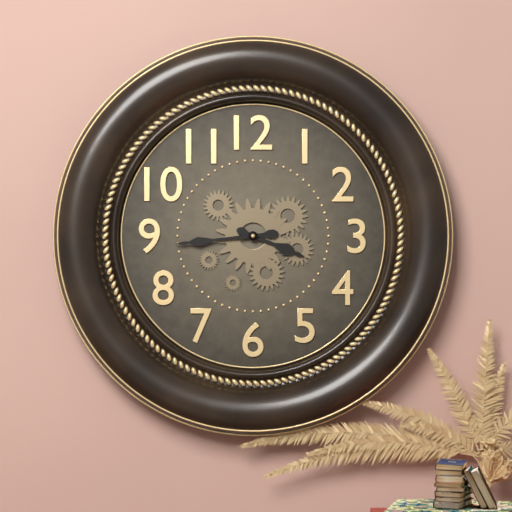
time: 3:44
